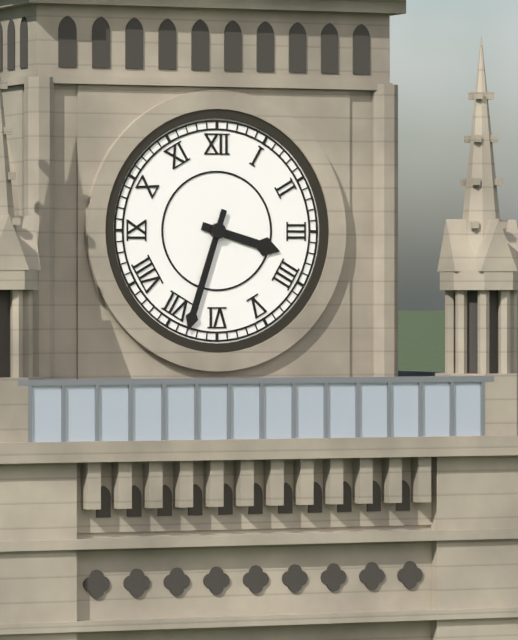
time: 3:33
